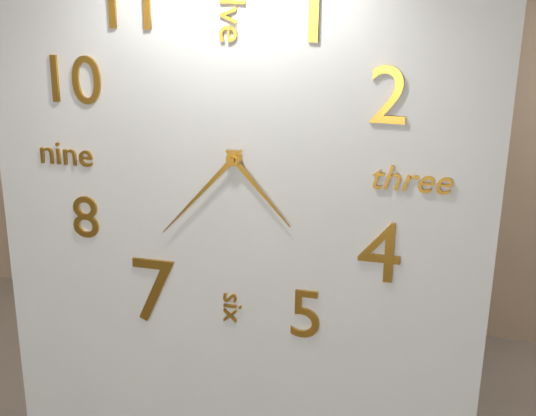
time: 4:37
